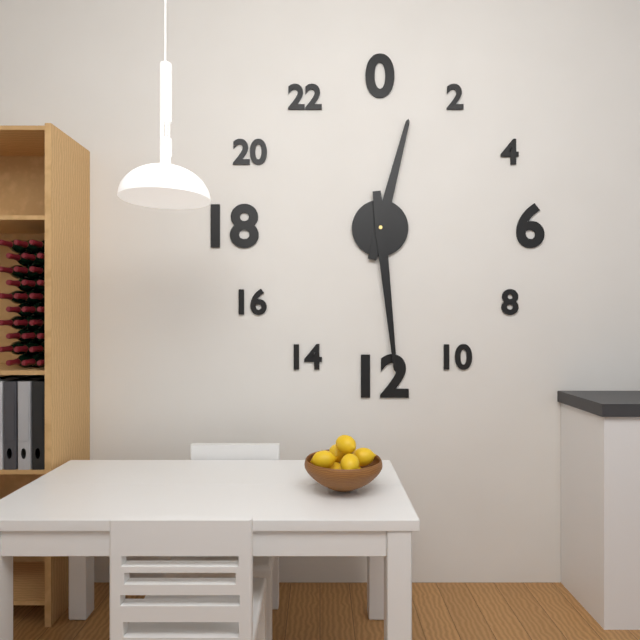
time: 12:29
